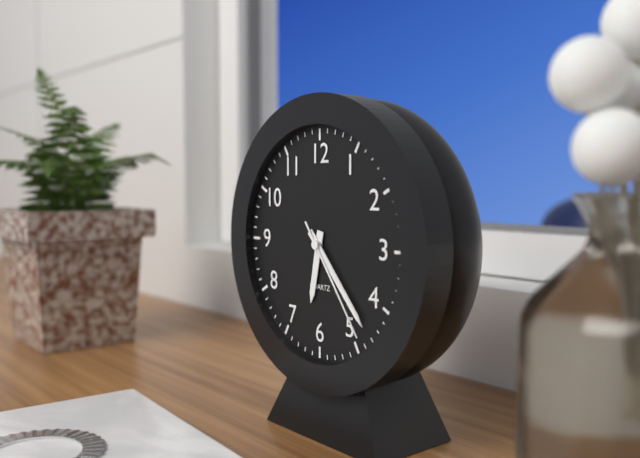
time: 6:23:24
